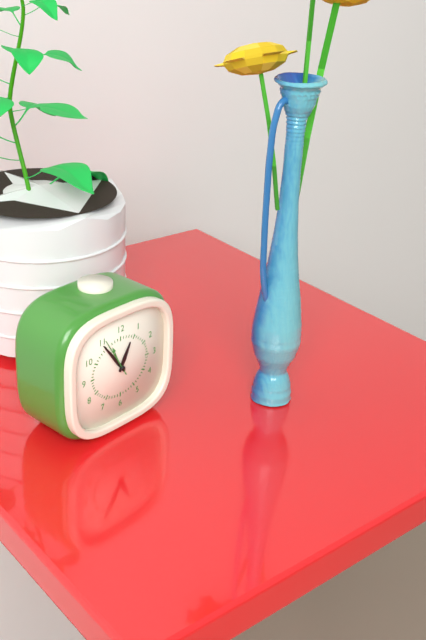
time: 12:54
